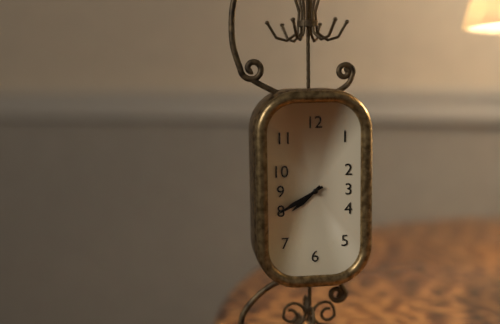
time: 7:40
